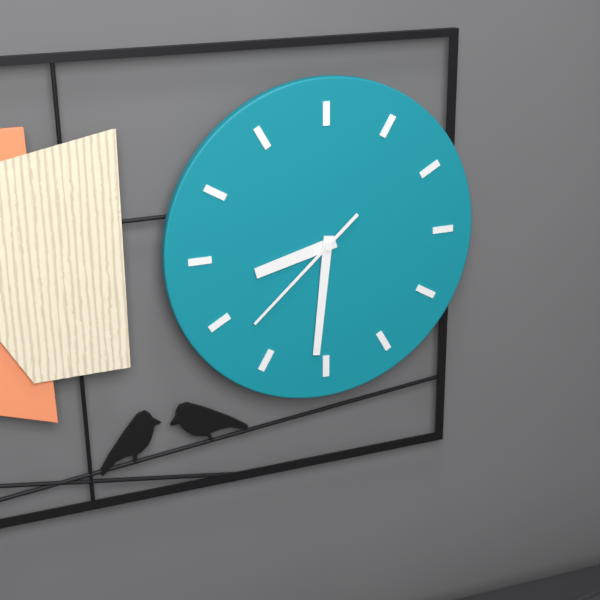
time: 8:31:38
